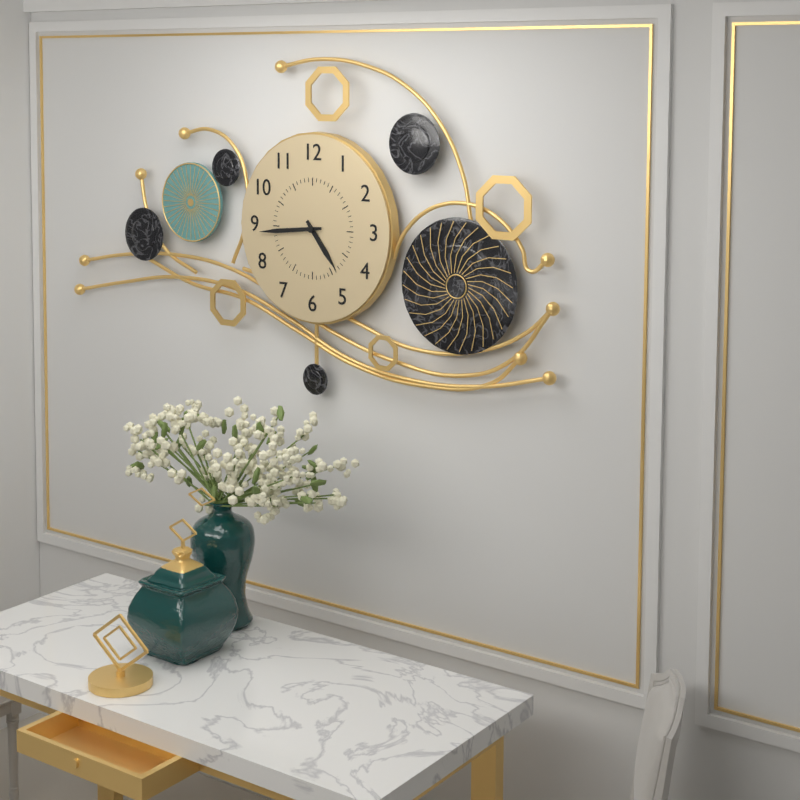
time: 4:44
